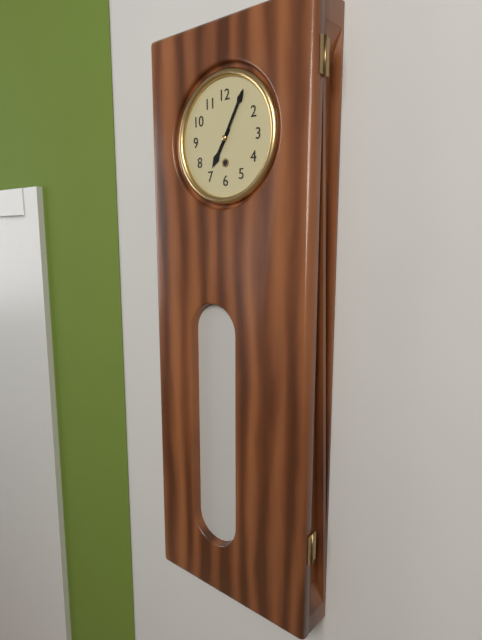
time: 7:05
